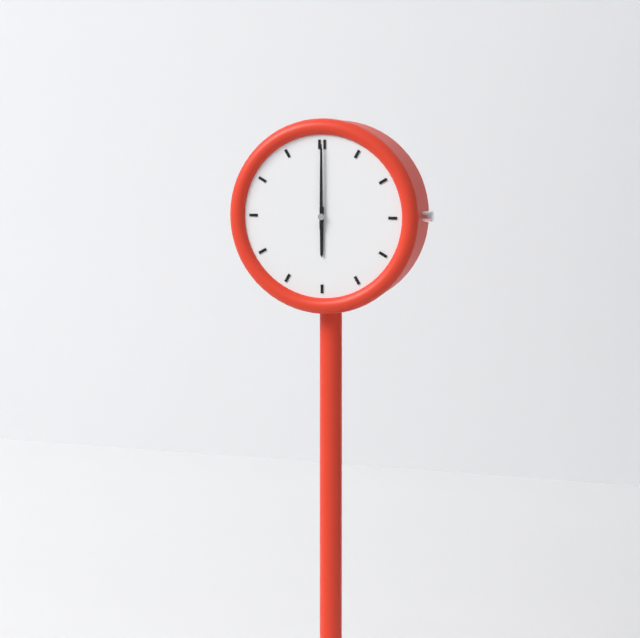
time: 6:00
